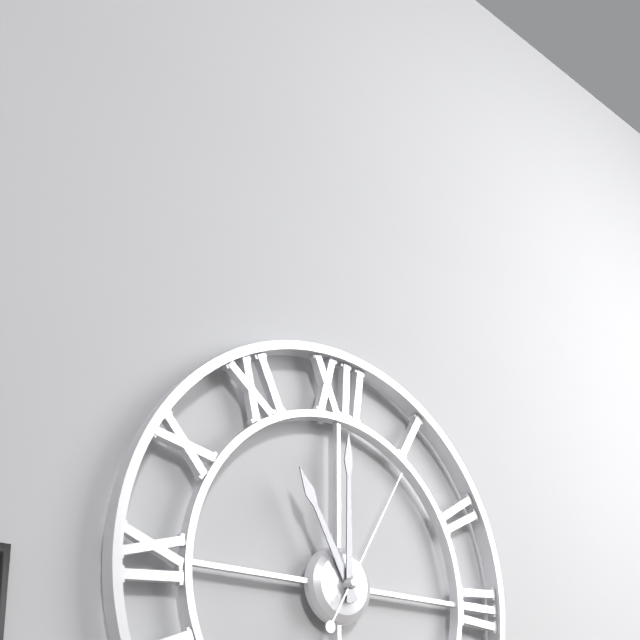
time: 11:00:05
